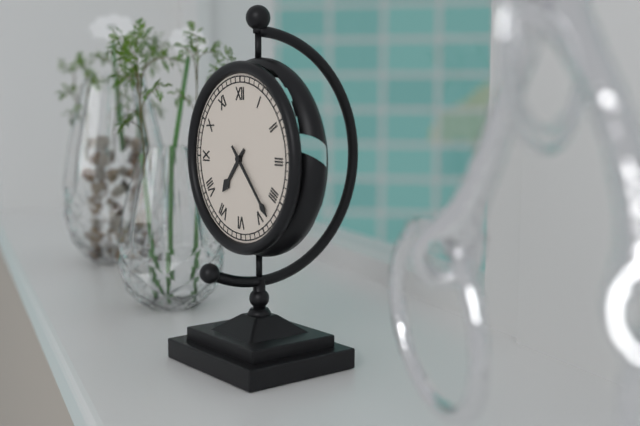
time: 7:23
